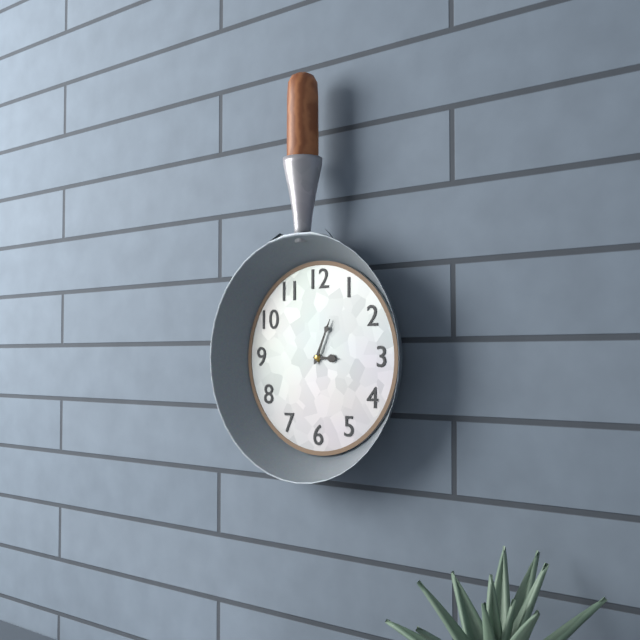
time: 3:04
